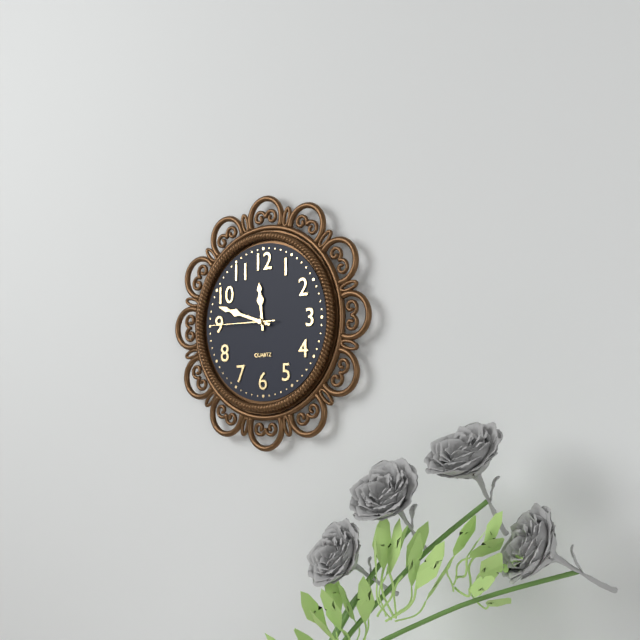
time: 11:48:45
